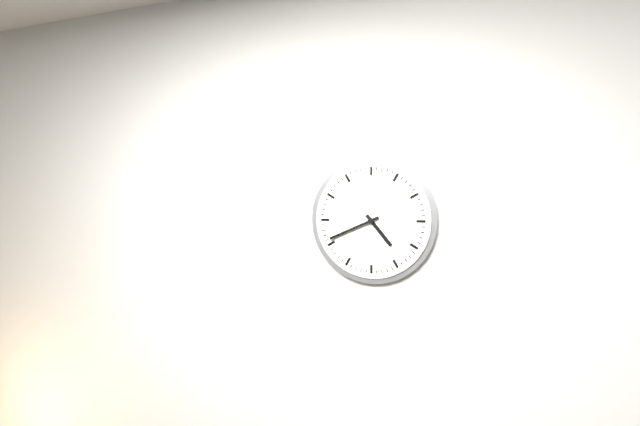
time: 4:41
